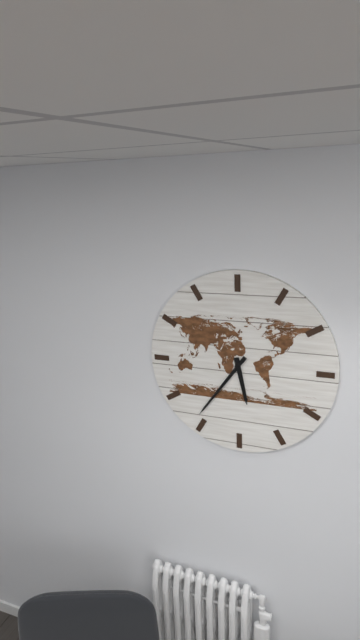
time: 5:36
